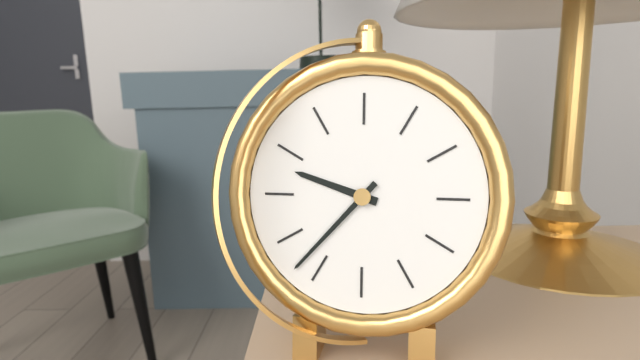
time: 9:37
